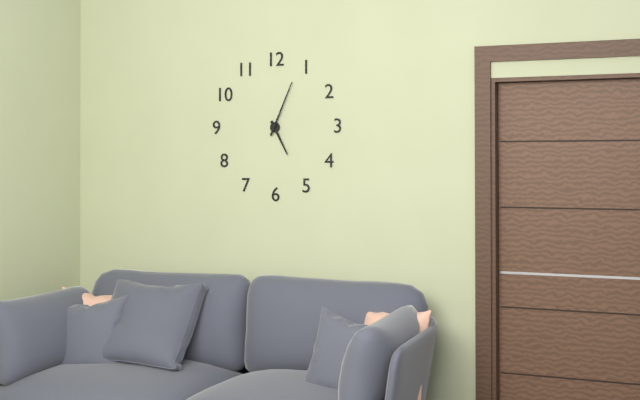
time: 5:04
